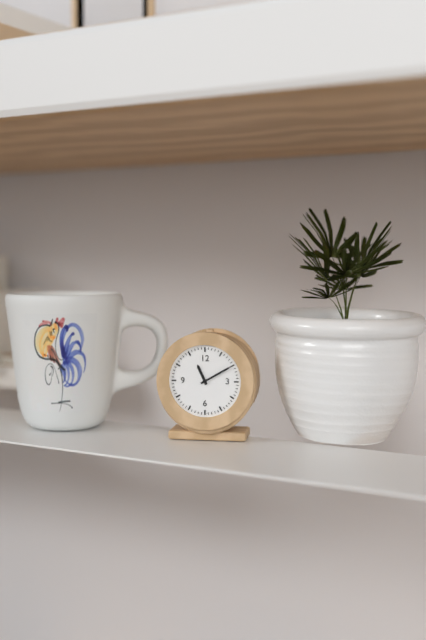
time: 11:10
